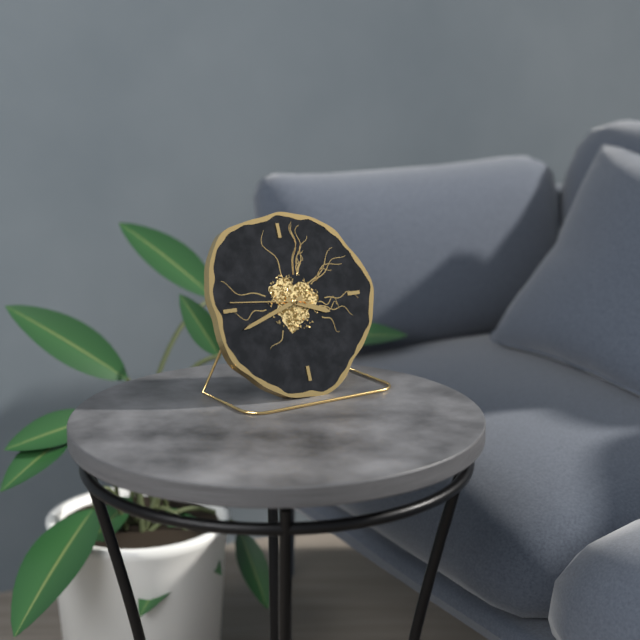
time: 3:42:46
